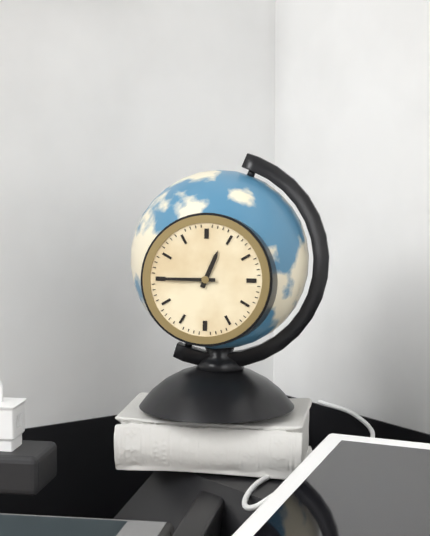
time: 12:45
